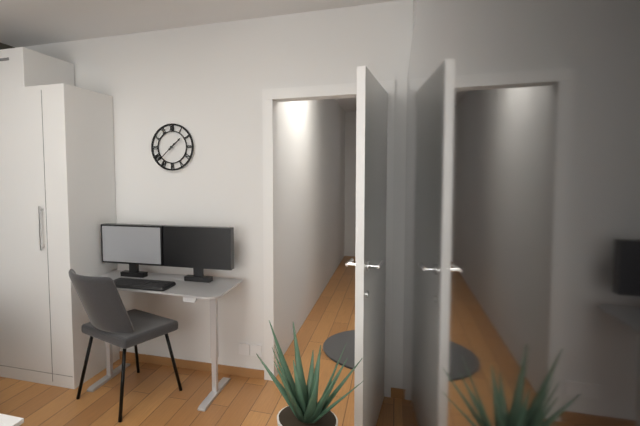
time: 1:38
